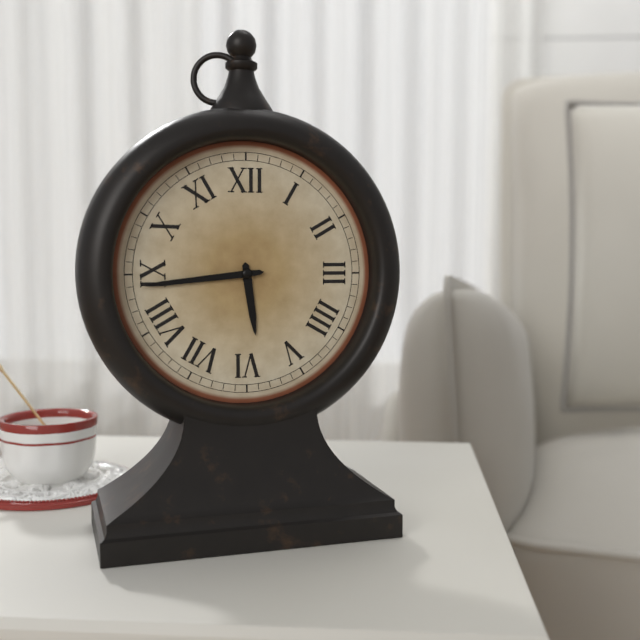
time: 5:44
